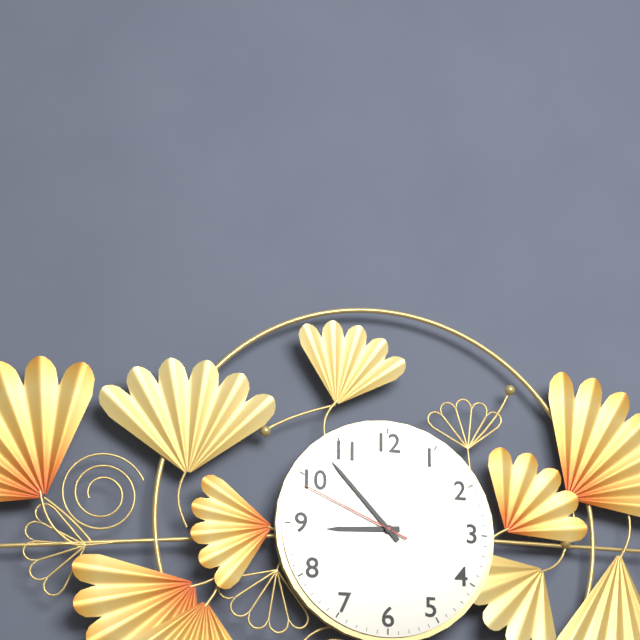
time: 8:53:49
